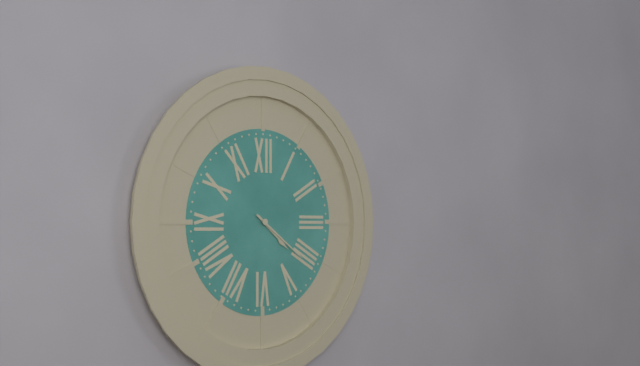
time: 4:21
